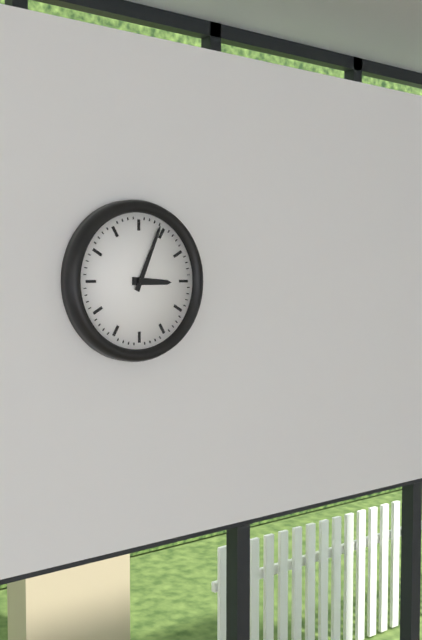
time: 3:04
